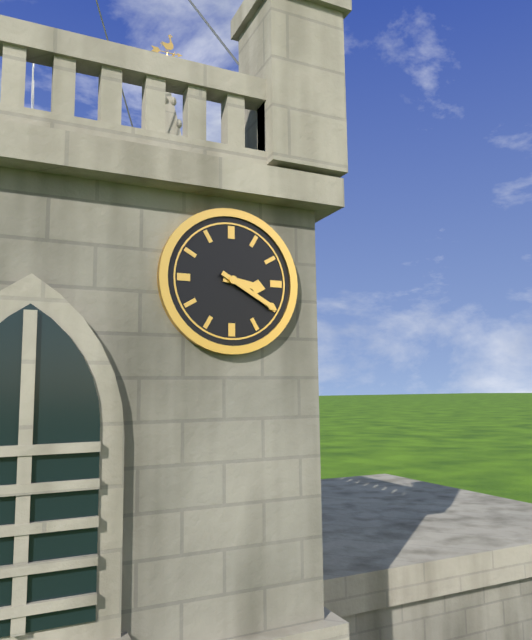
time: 3:20
